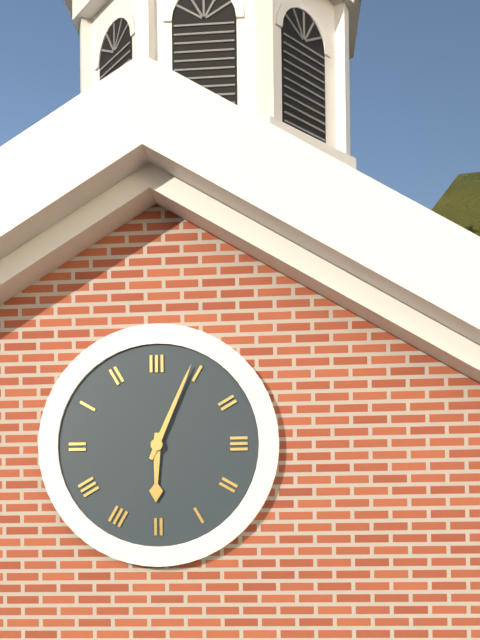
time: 6:04
